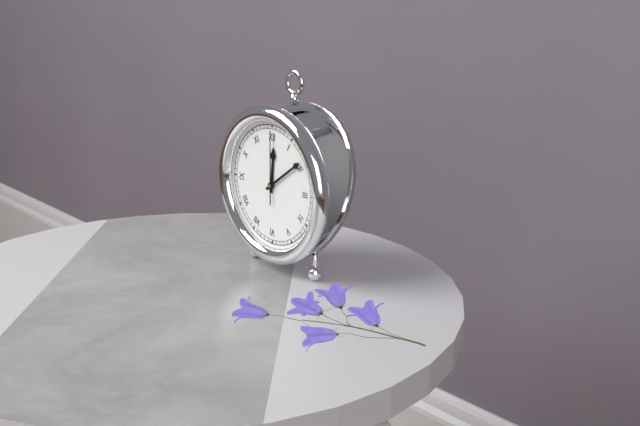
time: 12:09:00
